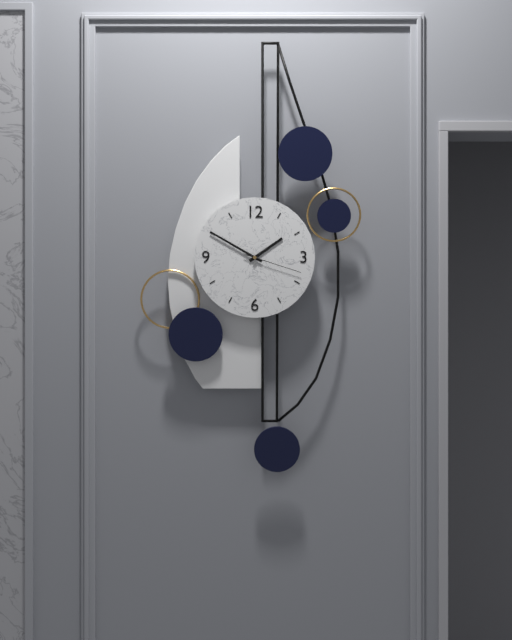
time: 1:50:18
